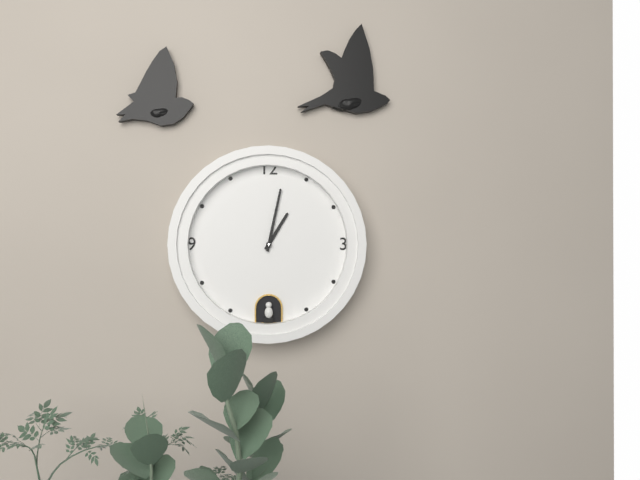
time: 1:02
